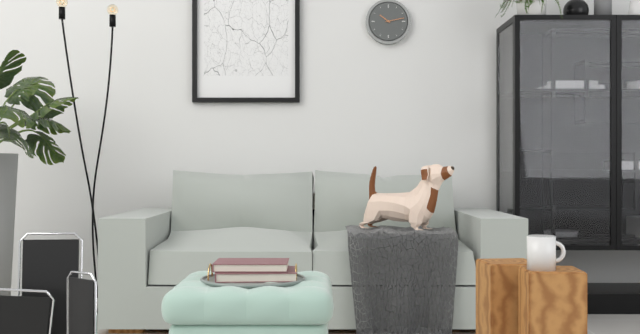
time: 10:13
